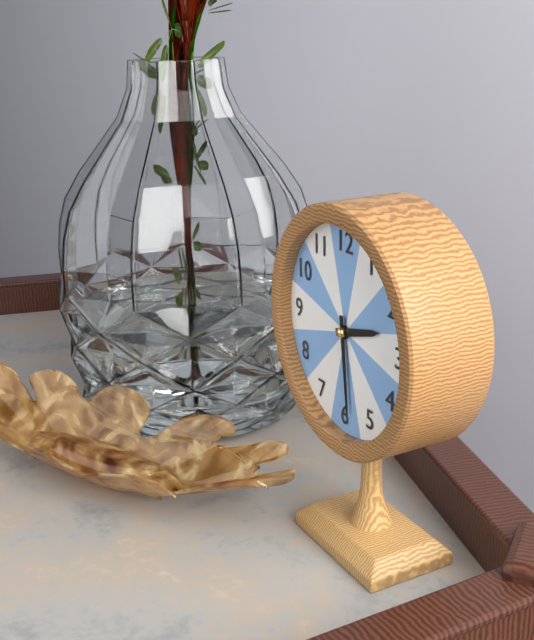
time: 2:29
